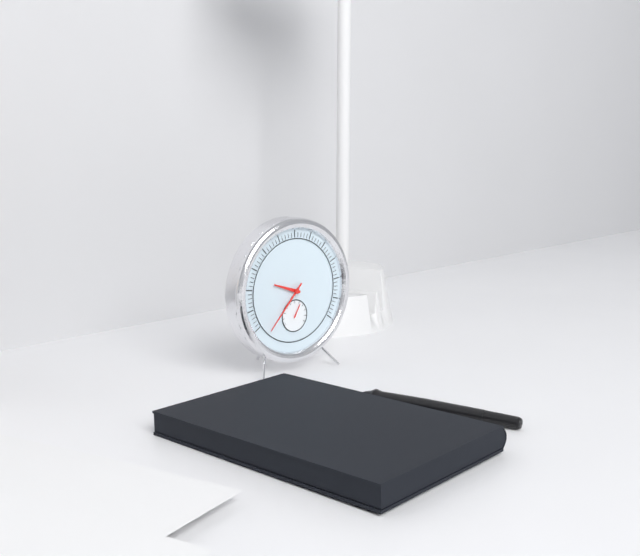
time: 9:37
